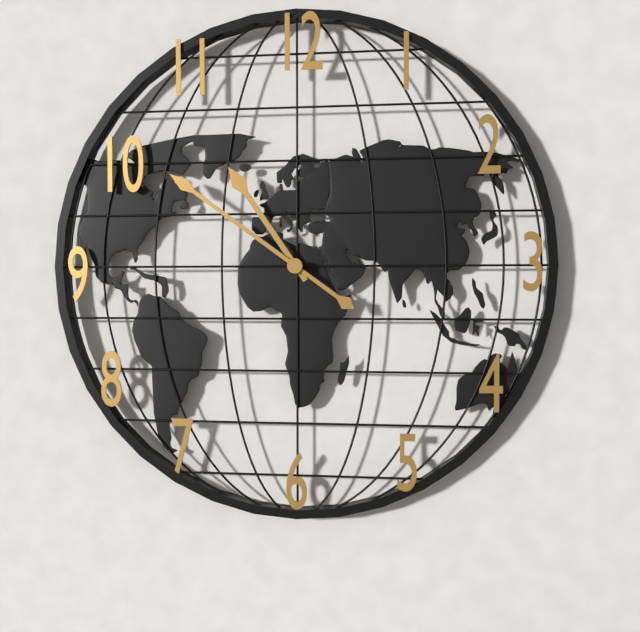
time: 10:51
